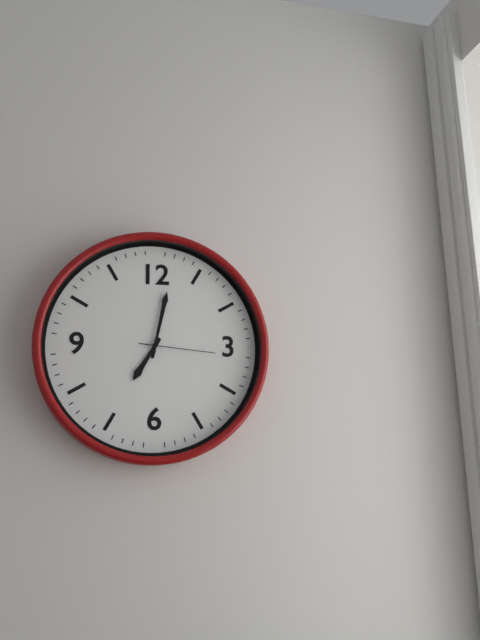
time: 7:02:16
